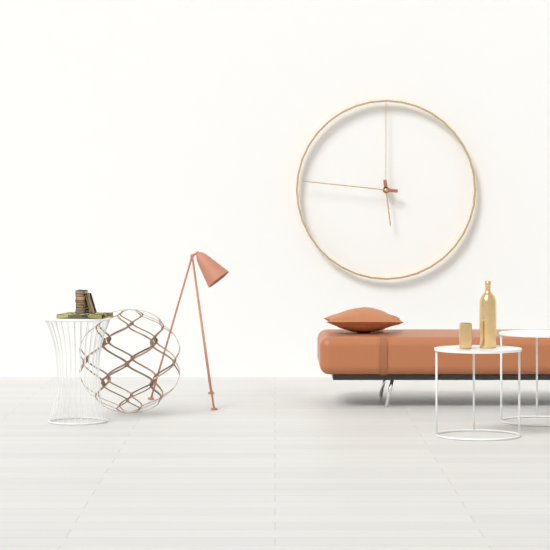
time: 5:46
